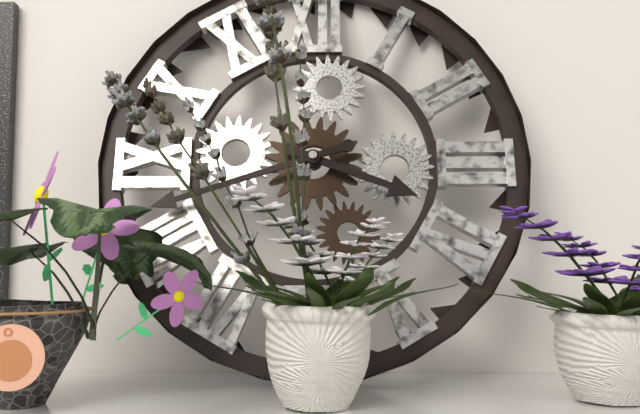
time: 3:42
